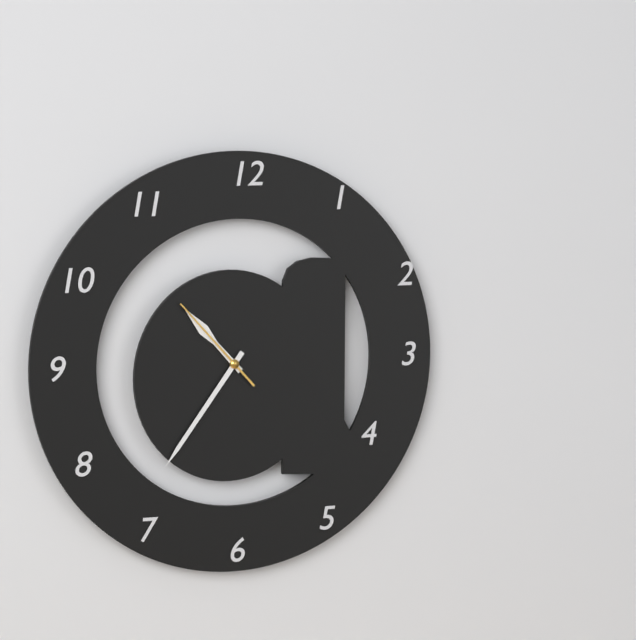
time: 10:36:53
